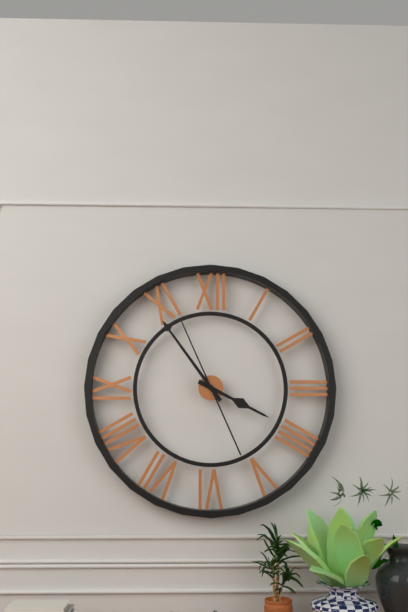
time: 3:54:56
